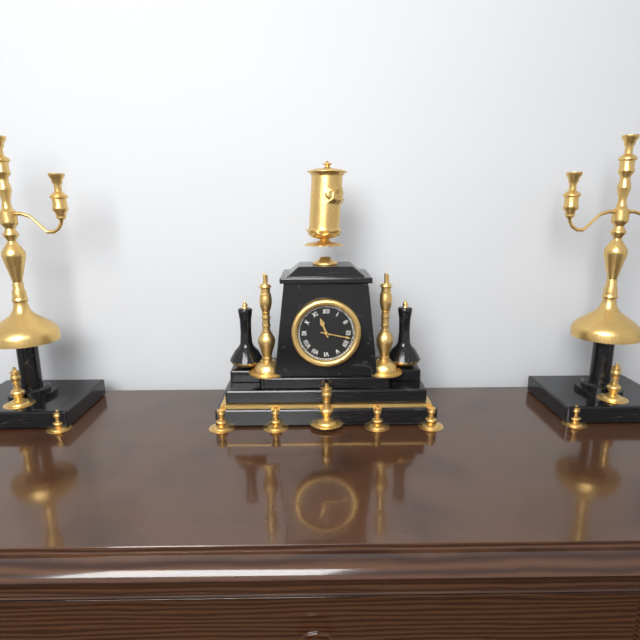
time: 11:17
